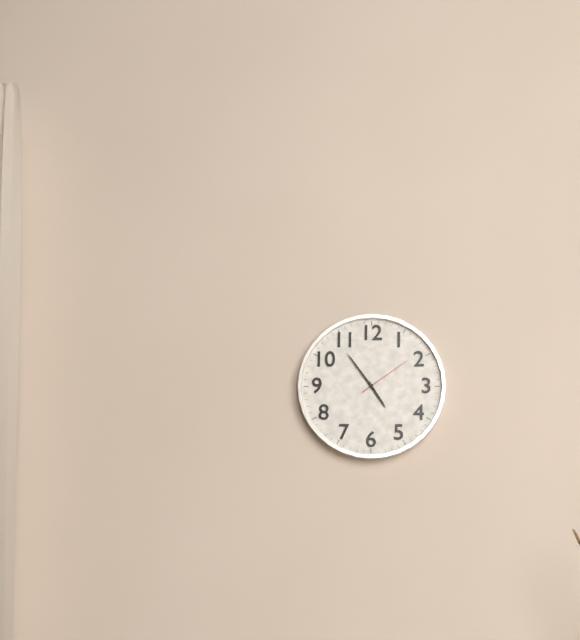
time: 4:54:09
